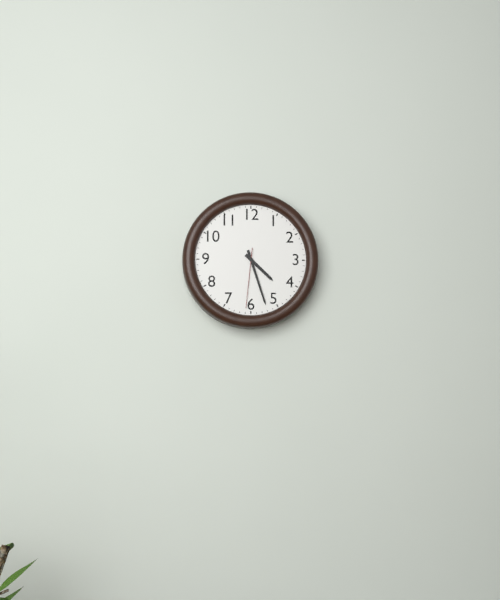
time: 4:27:31
